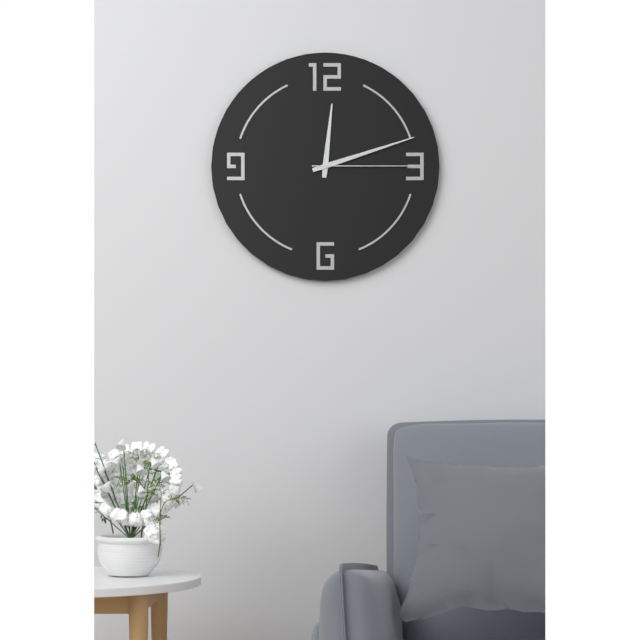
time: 12:12:15
